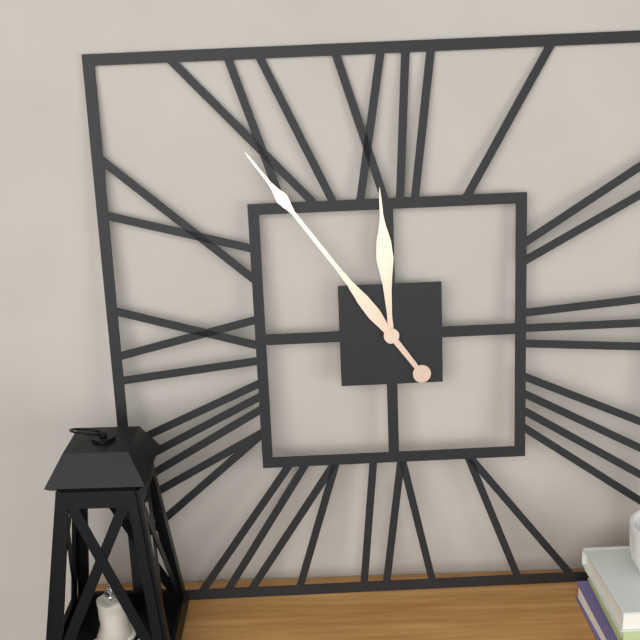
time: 11:54
